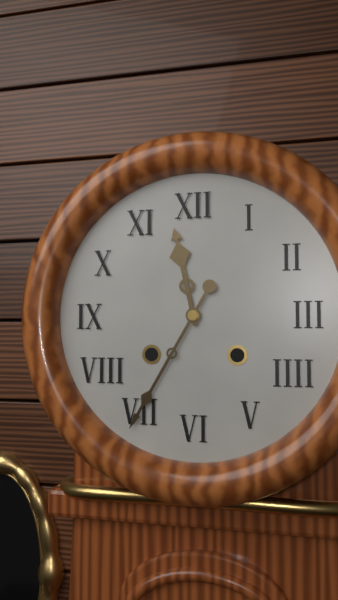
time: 11:35
